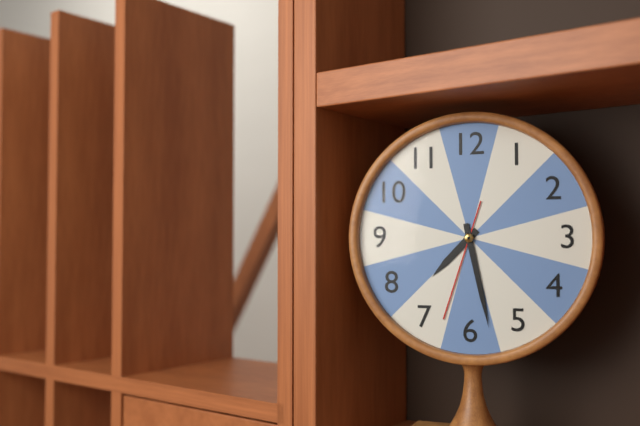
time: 7:28:33
